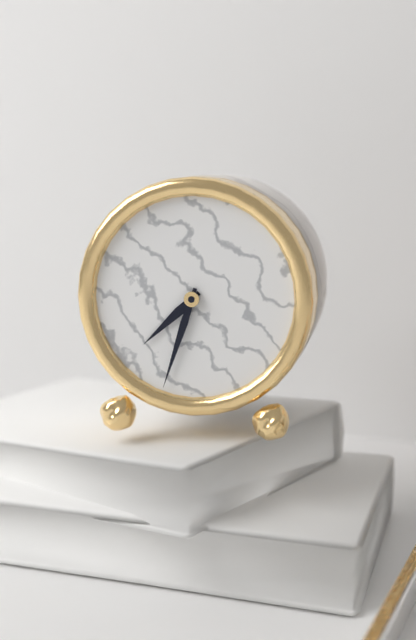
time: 7:33
